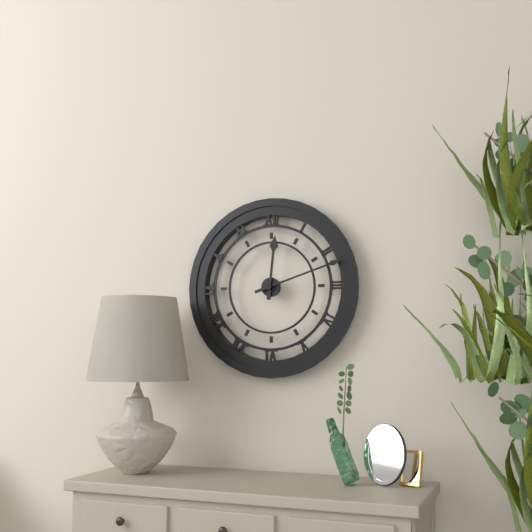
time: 12:12
